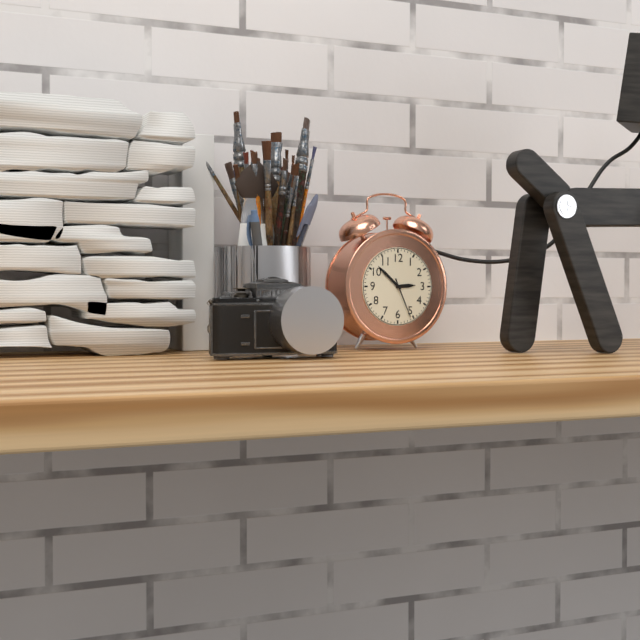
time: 2:52
